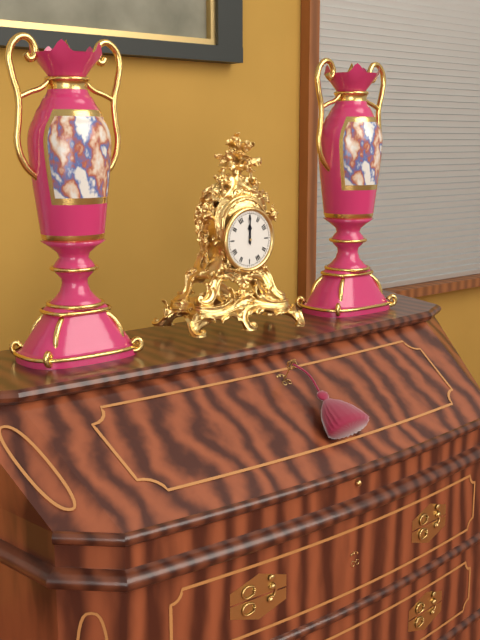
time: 12:00
